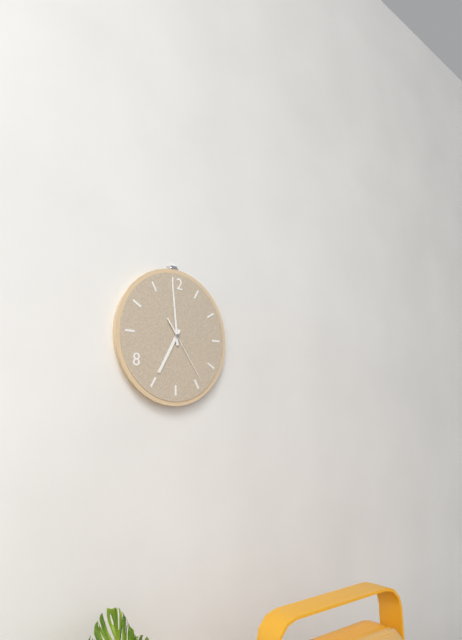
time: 6:59:24
